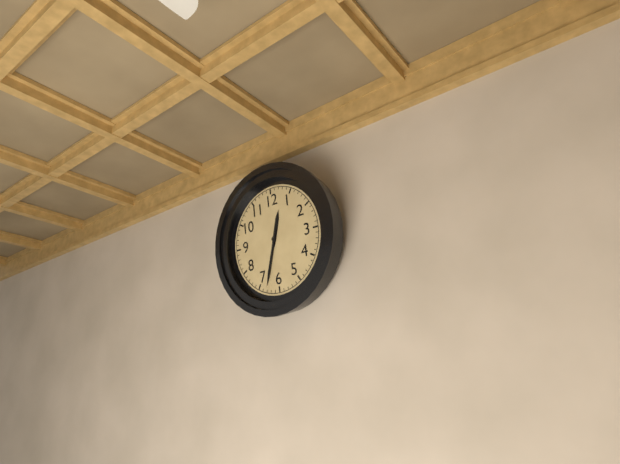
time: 12:33
